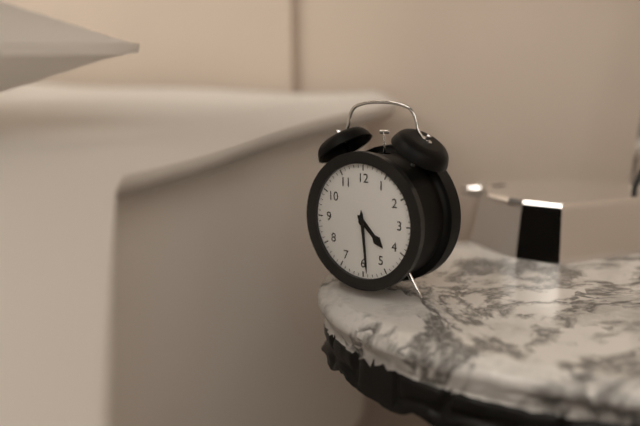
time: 4:29
